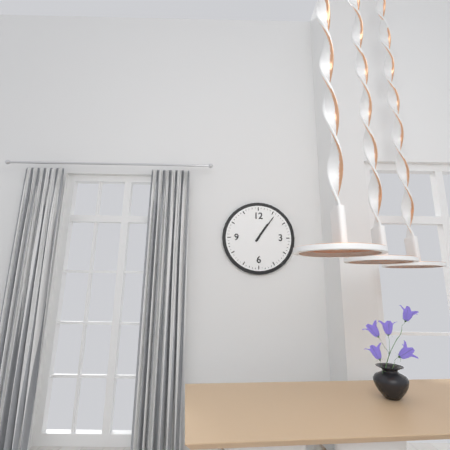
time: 1:06
